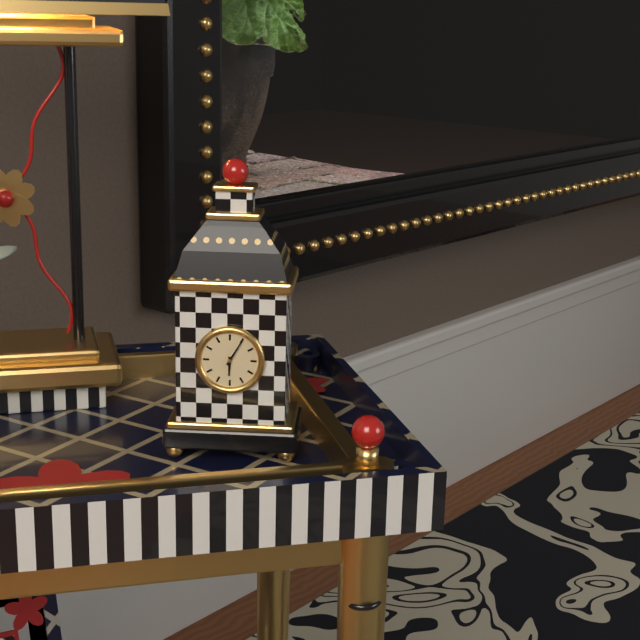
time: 6:05
